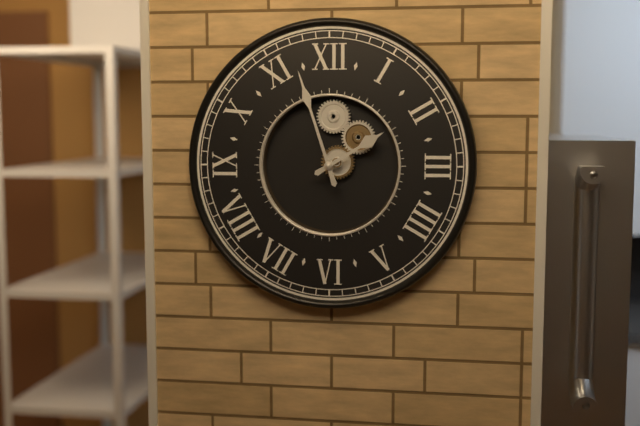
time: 1:57
